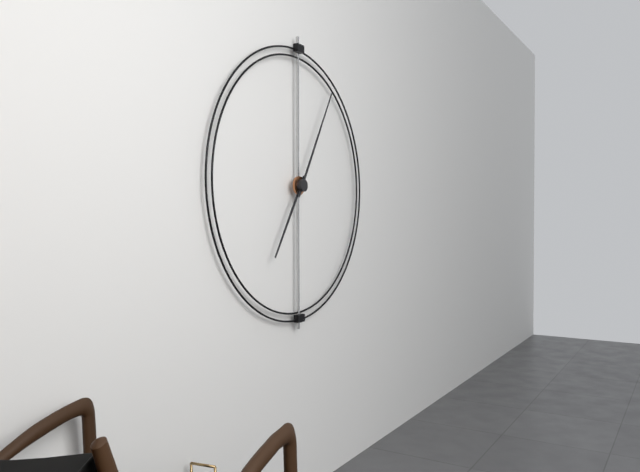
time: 7:05
